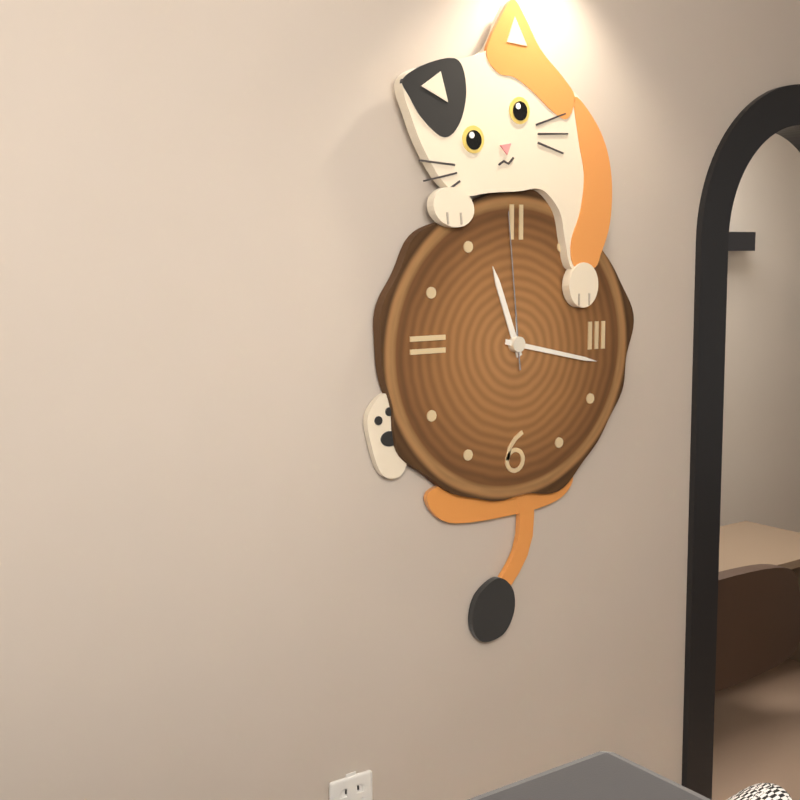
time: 11:17:59
